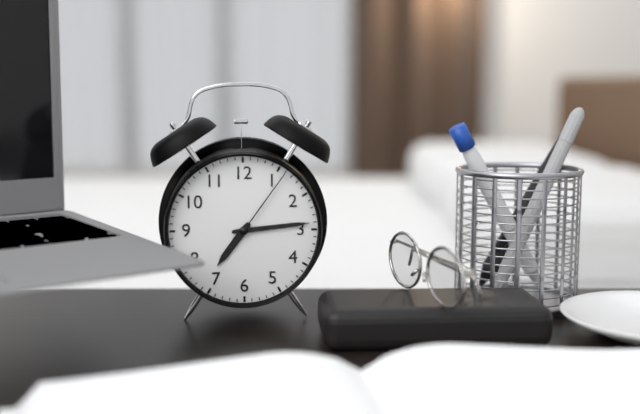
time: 7:14:06
